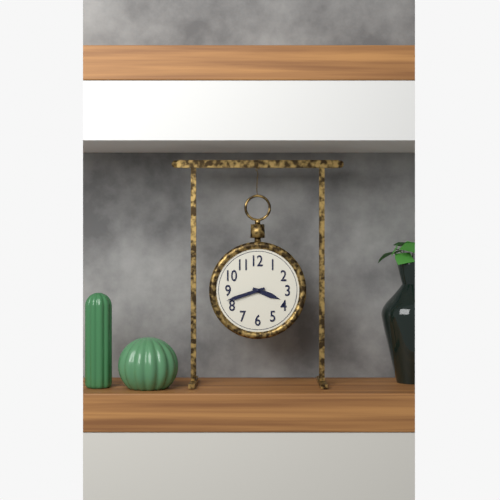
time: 3:42
